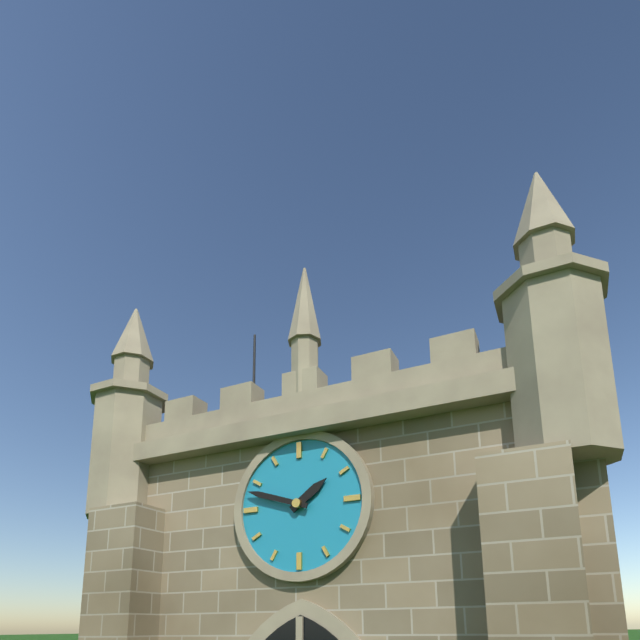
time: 1:48
